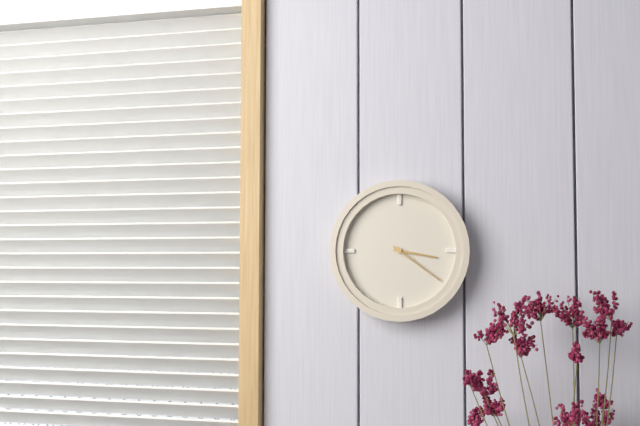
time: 3:21
